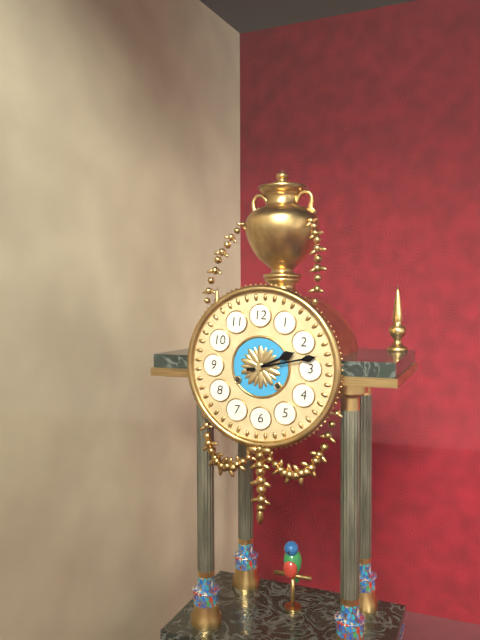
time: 2:13
